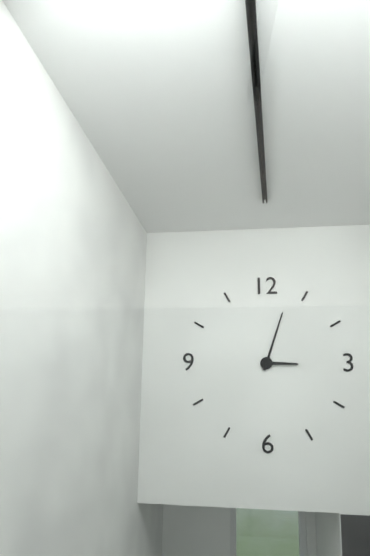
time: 3:03
